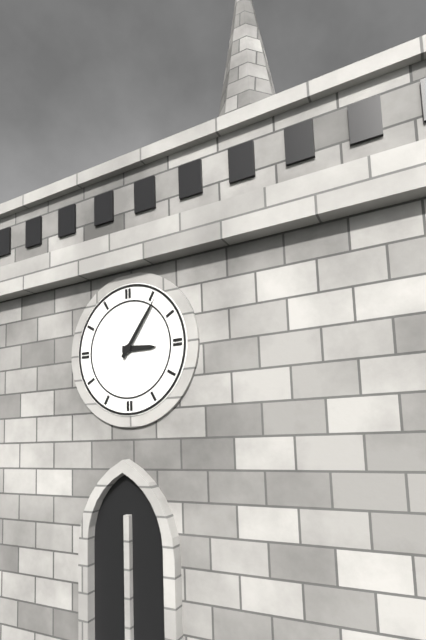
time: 3:06
